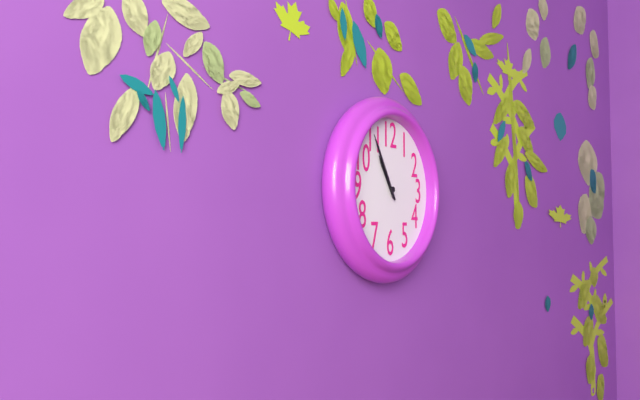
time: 10:55
